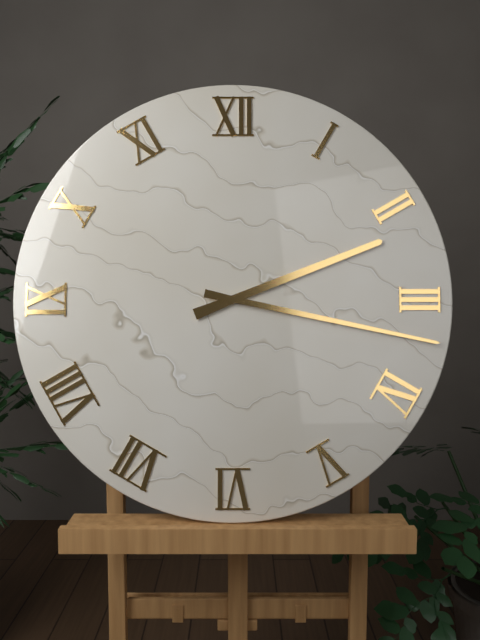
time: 2:17
